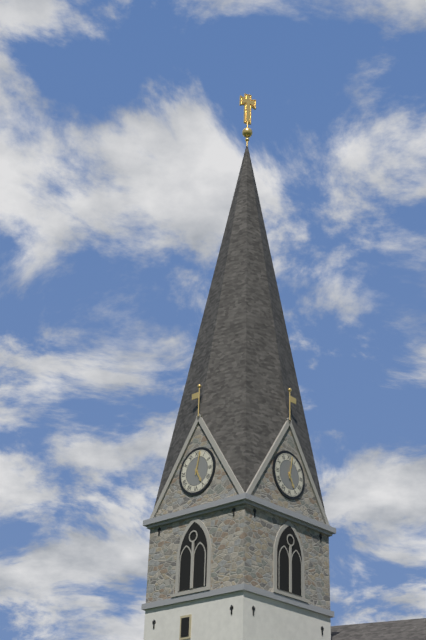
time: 5:02
